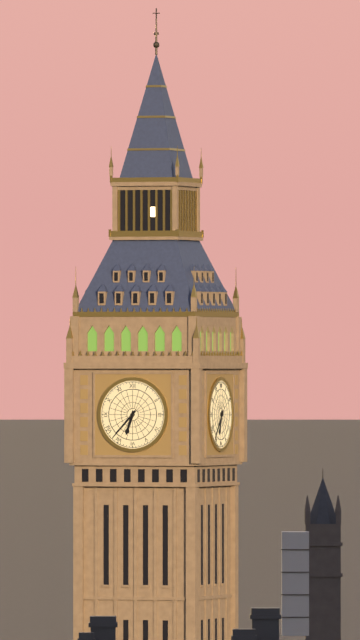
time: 6:37
